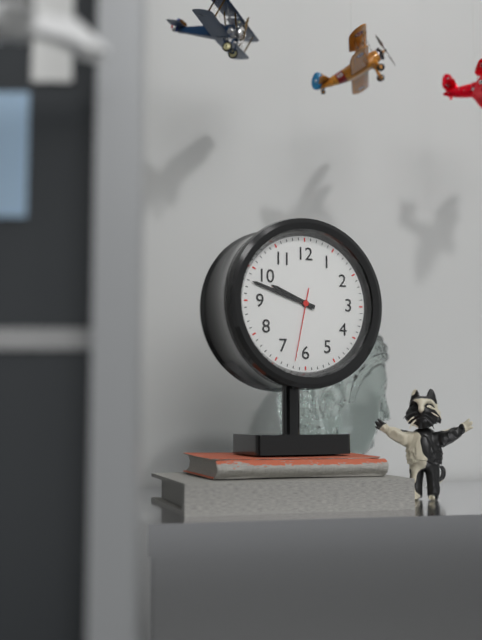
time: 9:48:32
